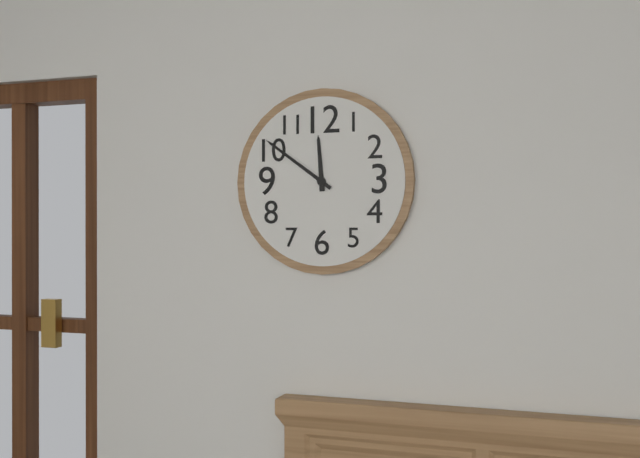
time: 11:51
